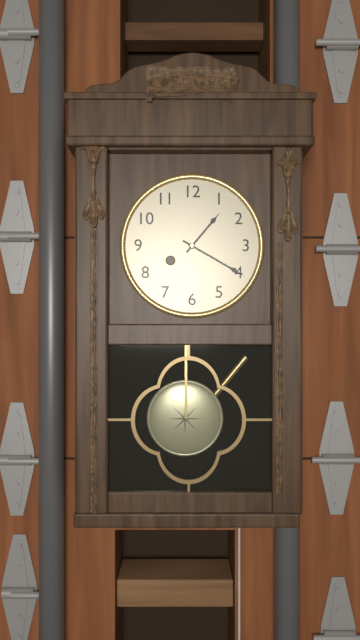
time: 1:20
